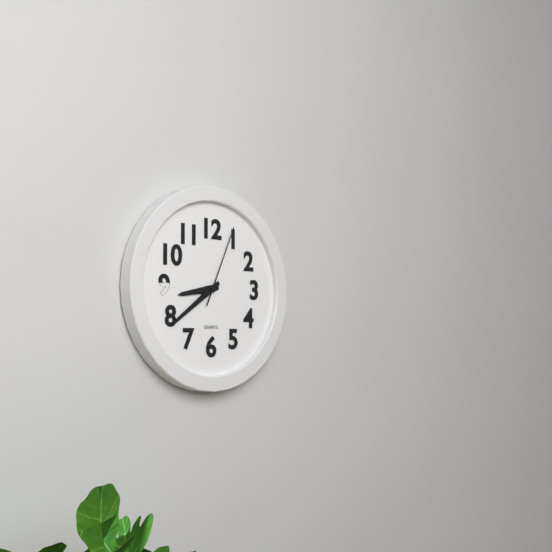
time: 8:39:04
